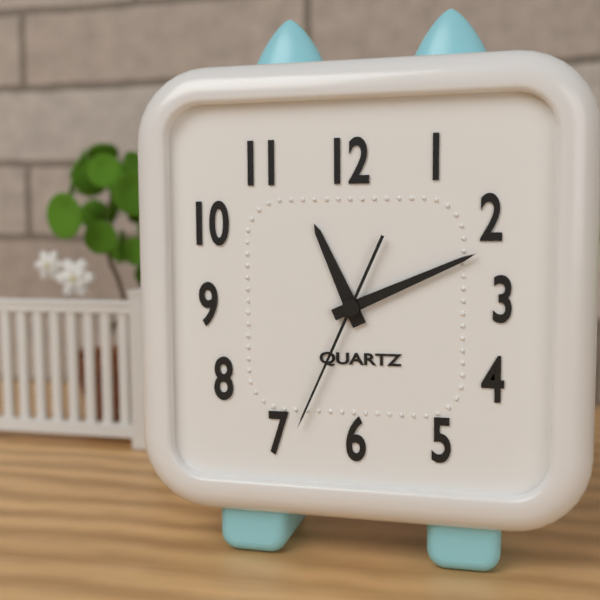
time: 11:11:34
